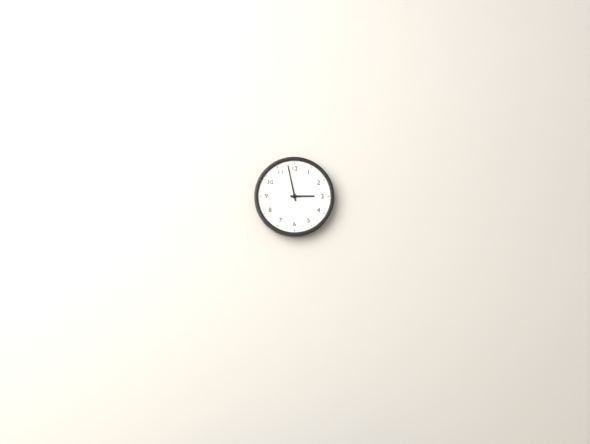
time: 2:58
